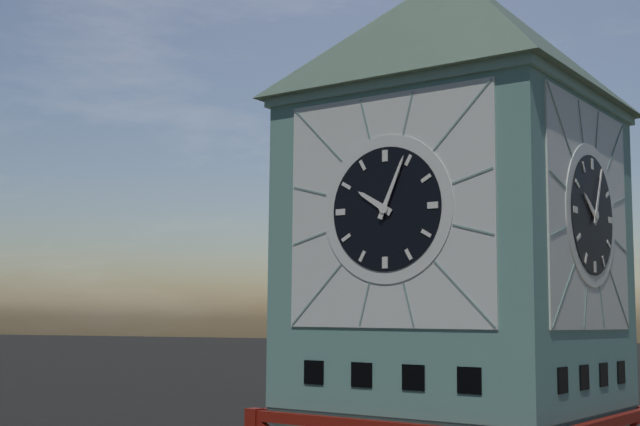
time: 10:04
